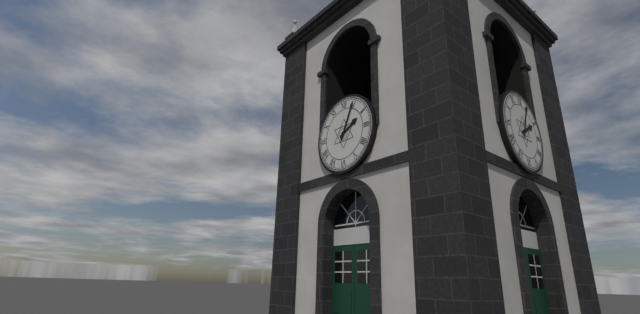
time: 2:04
